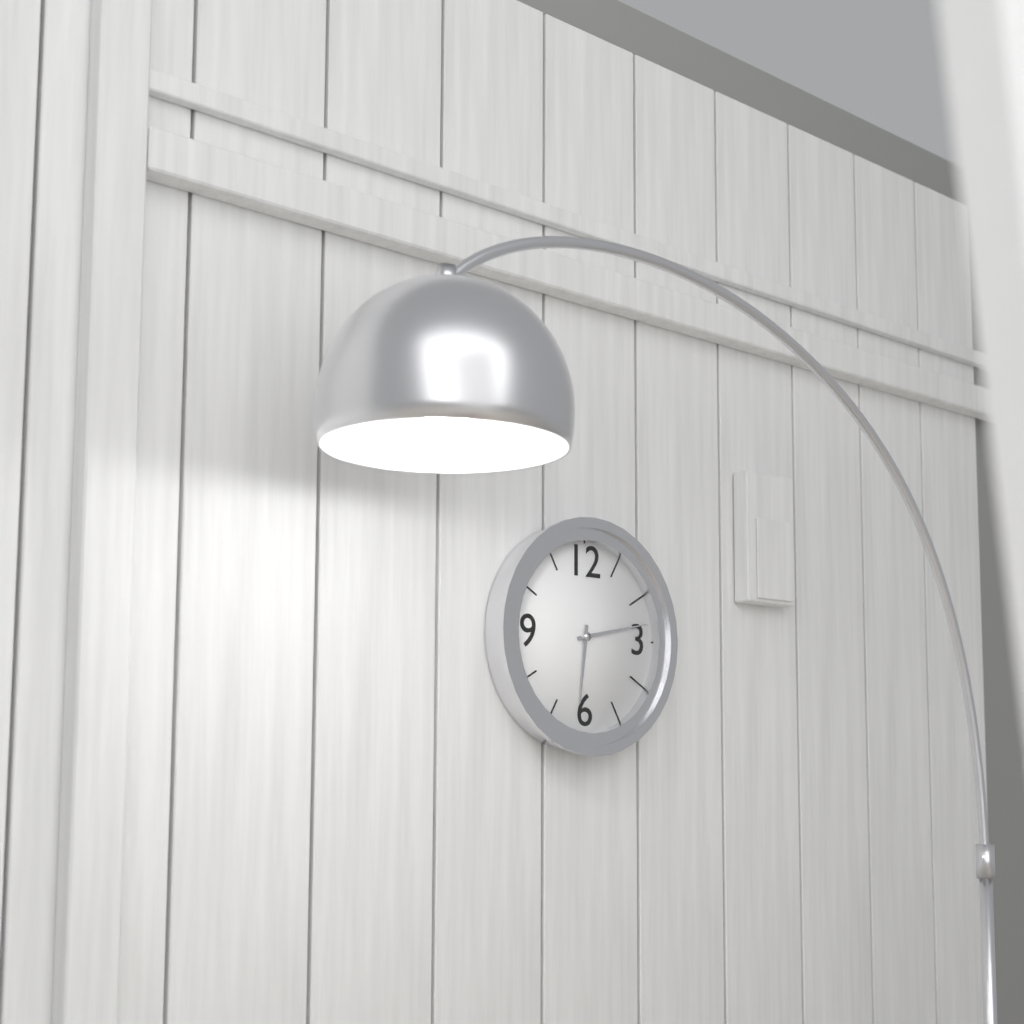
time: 6:13
